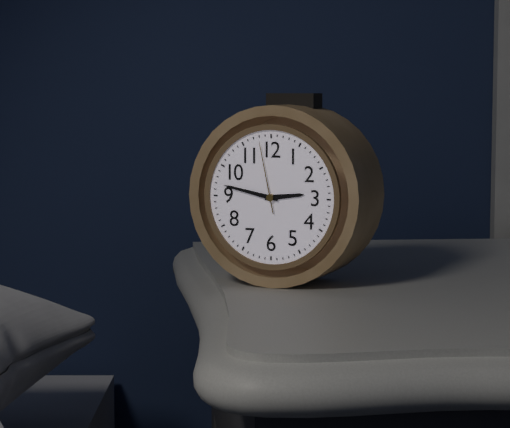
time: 2:47:58
